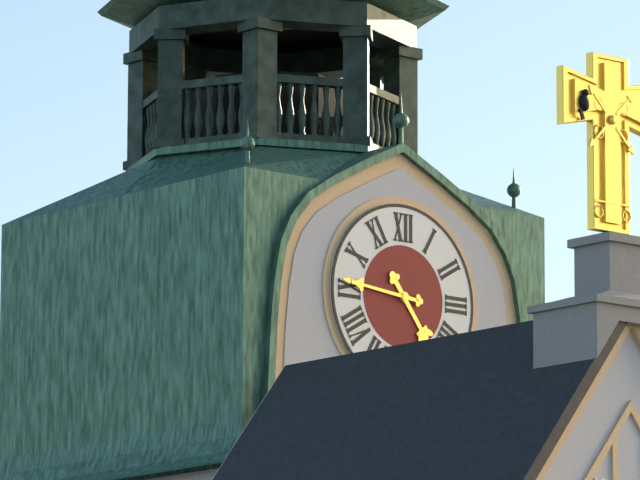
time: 4:46
